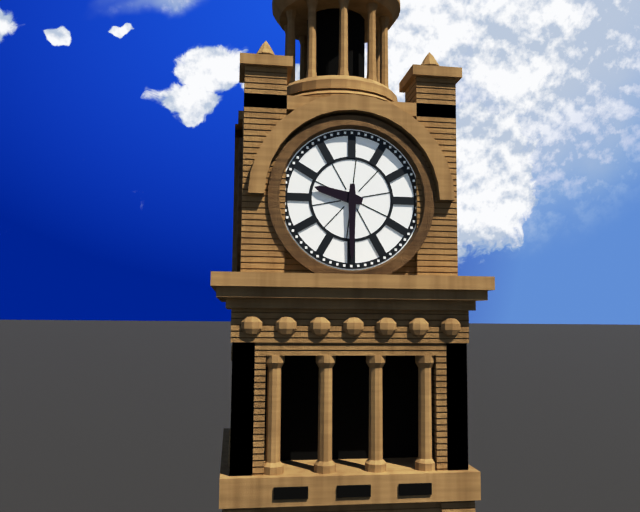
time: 9:30
